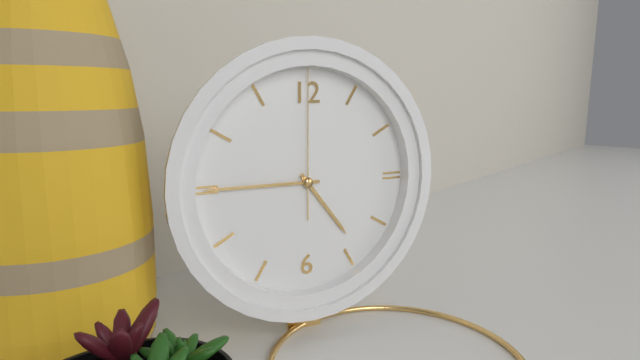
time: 4:45:00
